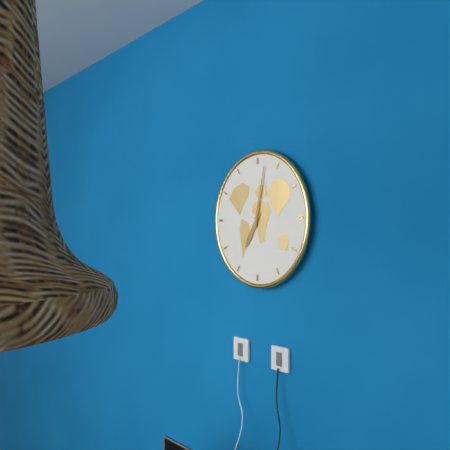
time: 7:02
